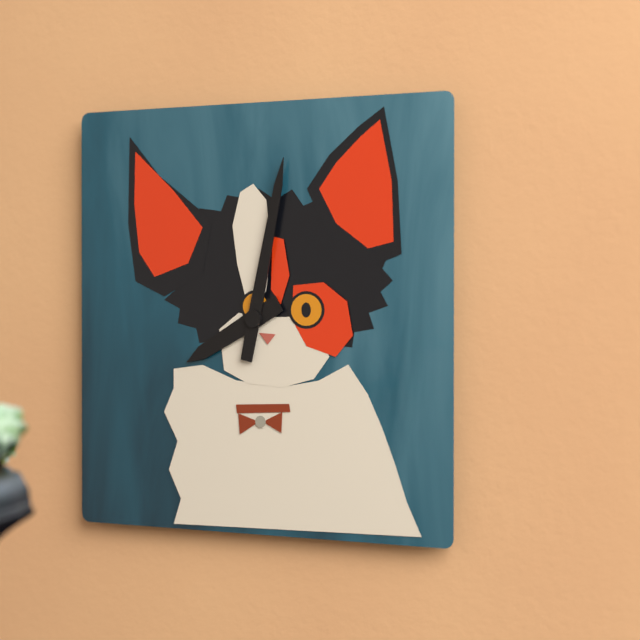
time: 8:02
